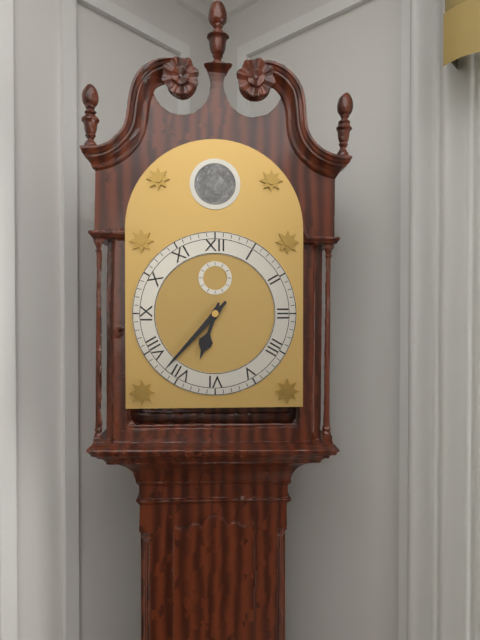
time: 6:37
